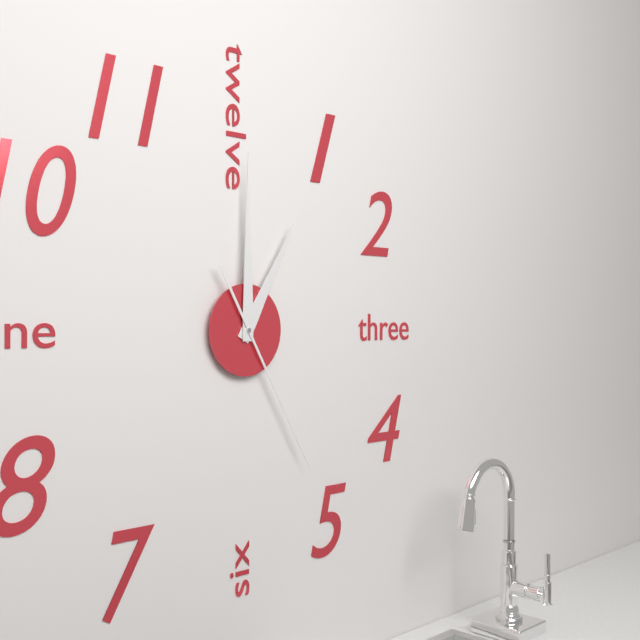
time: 1:00:25
